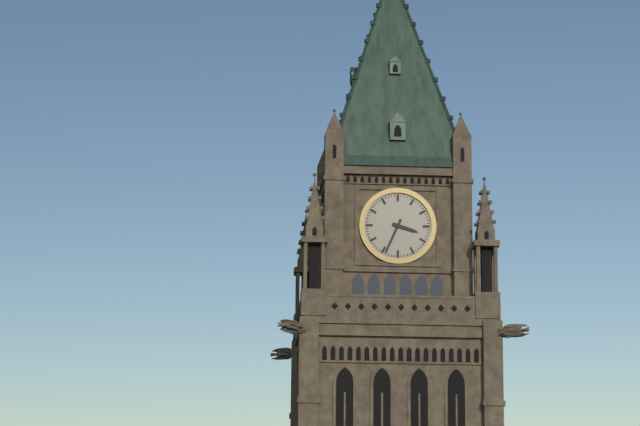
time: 3:34
